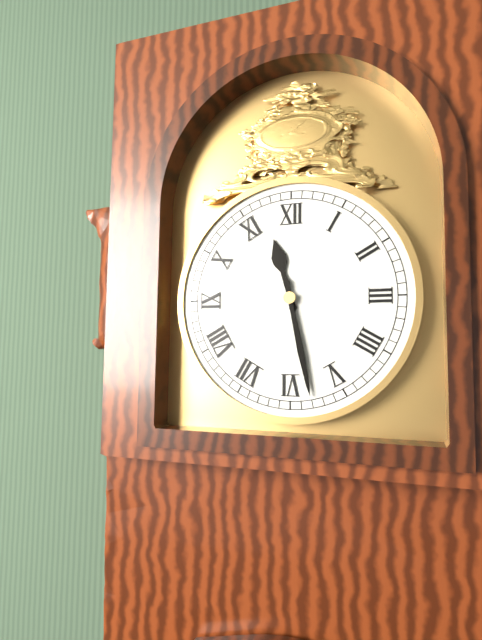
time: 11:28
